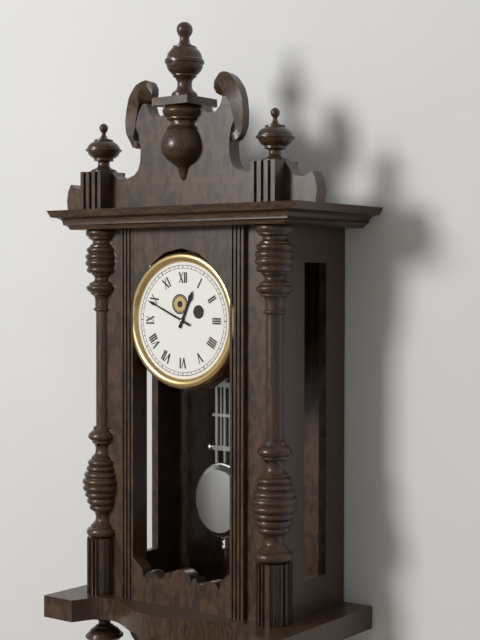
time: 12:49
